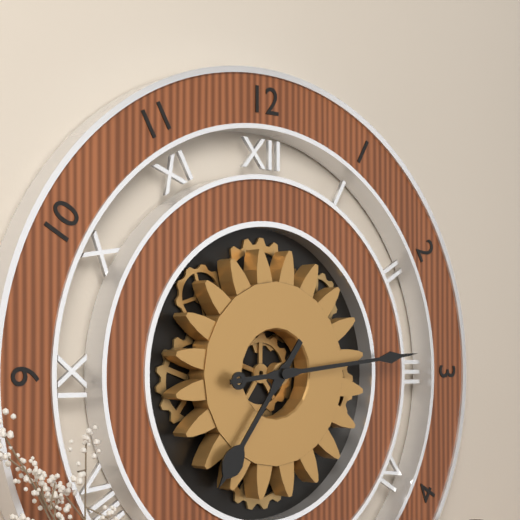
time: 7:14
